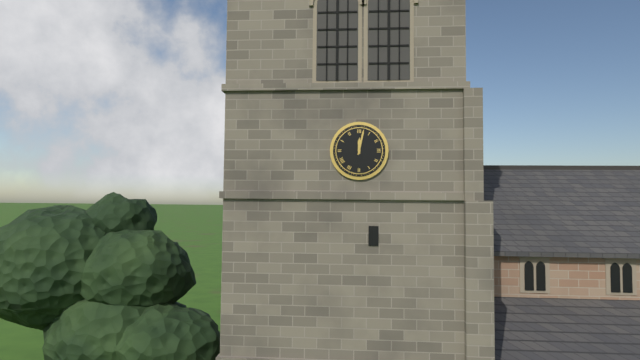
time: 12:02
